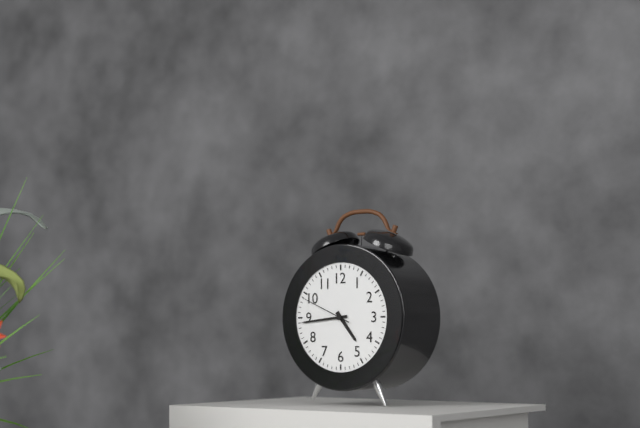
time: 4:44:49
